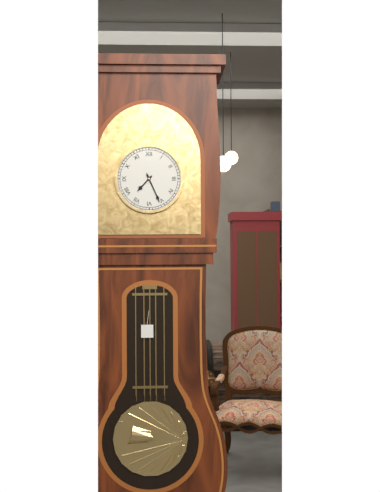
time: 7:26
